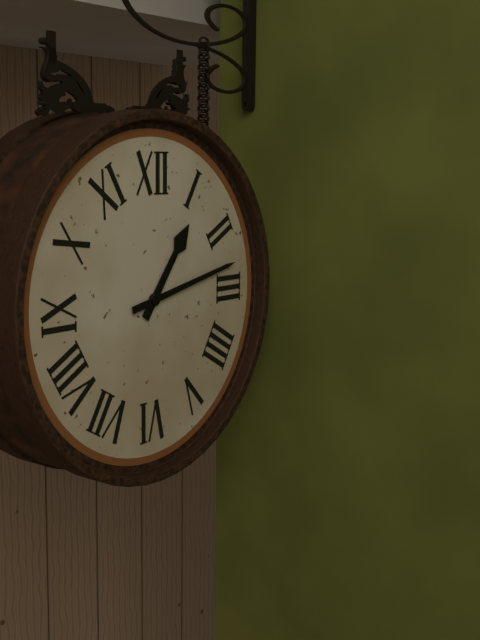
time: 1:13
